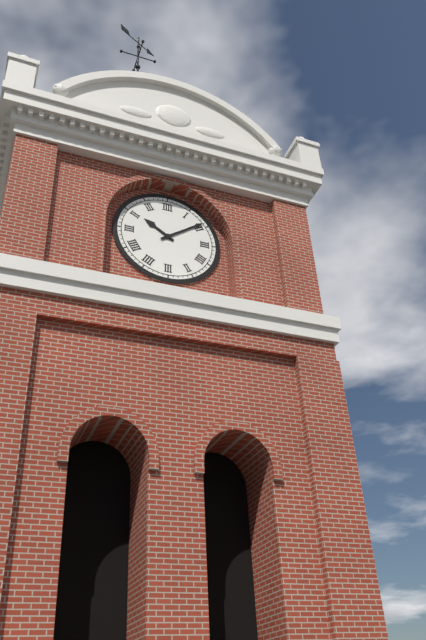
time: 10:09
